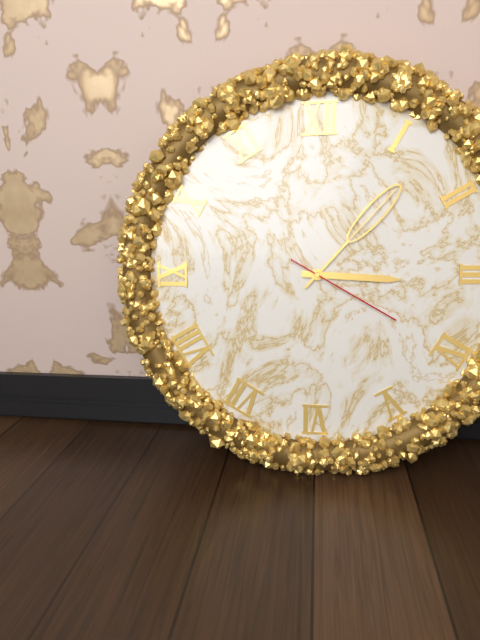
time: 3:07:20
